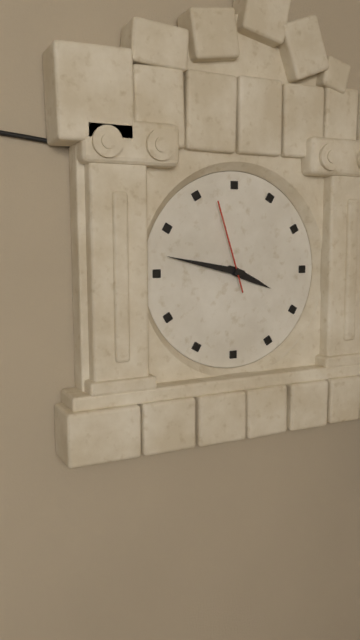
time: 3:47:57
